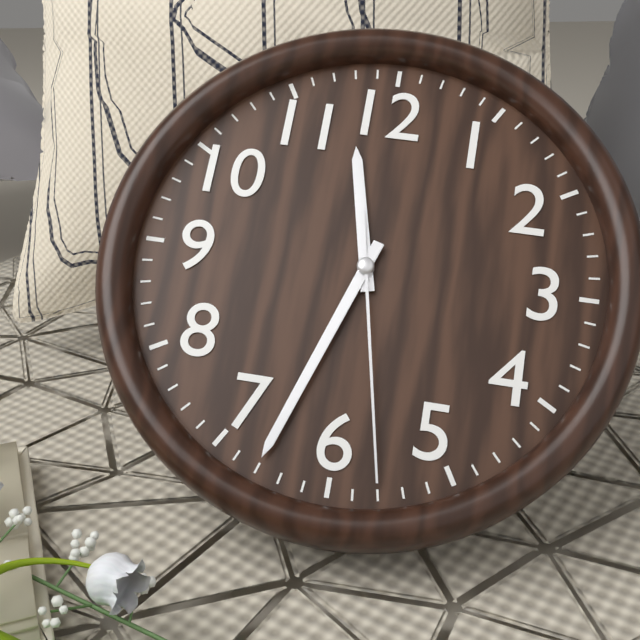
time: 11:33:28
